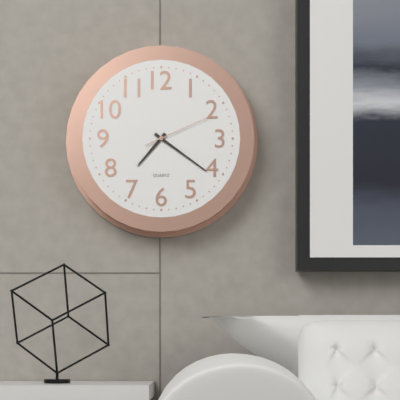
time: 7:21:11
